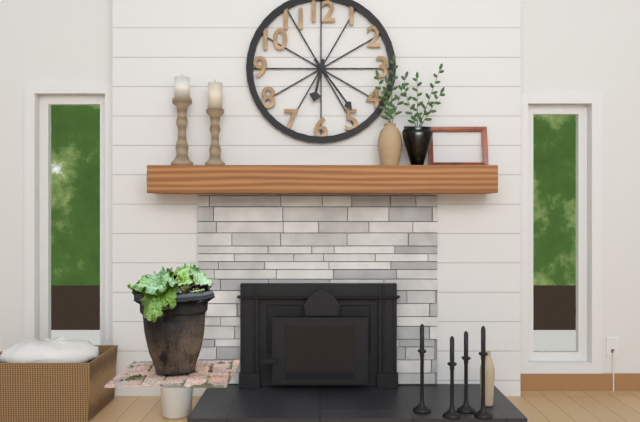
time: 6:24
